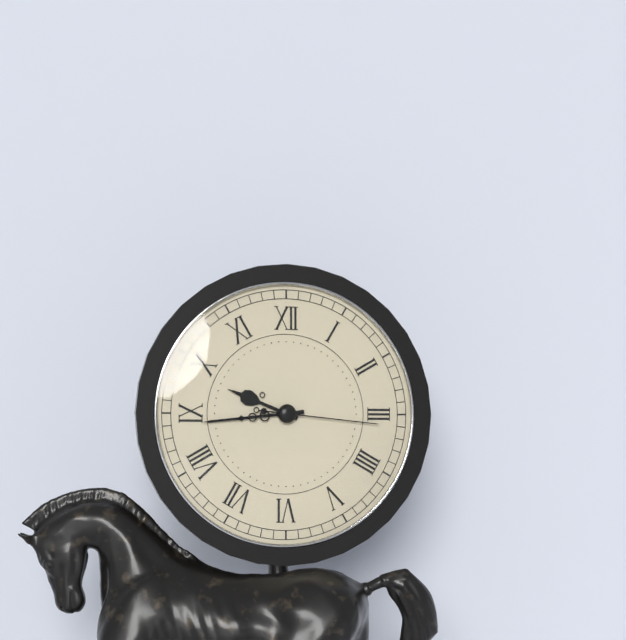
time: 9:44:16
